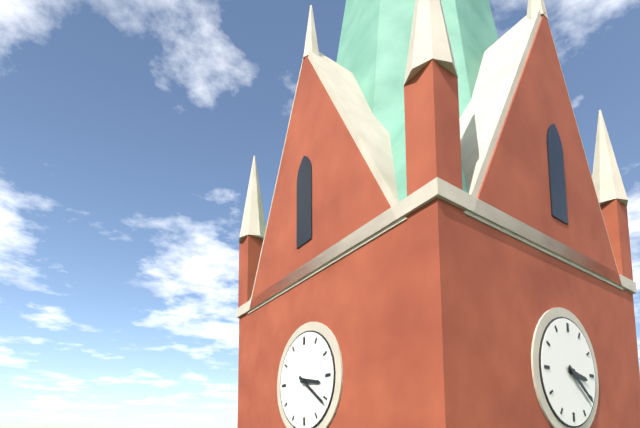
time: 3:21
